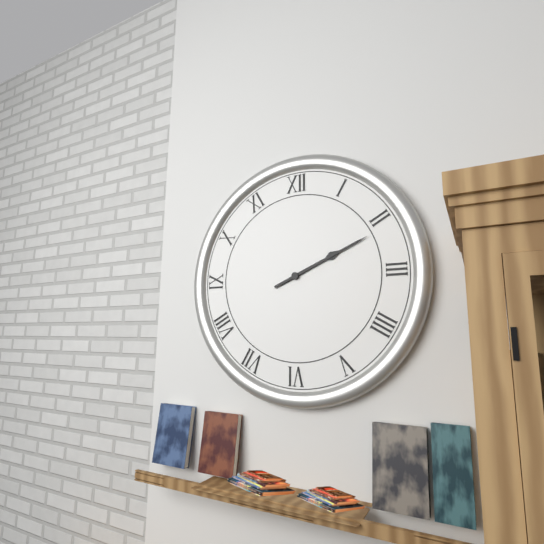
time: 2:11
